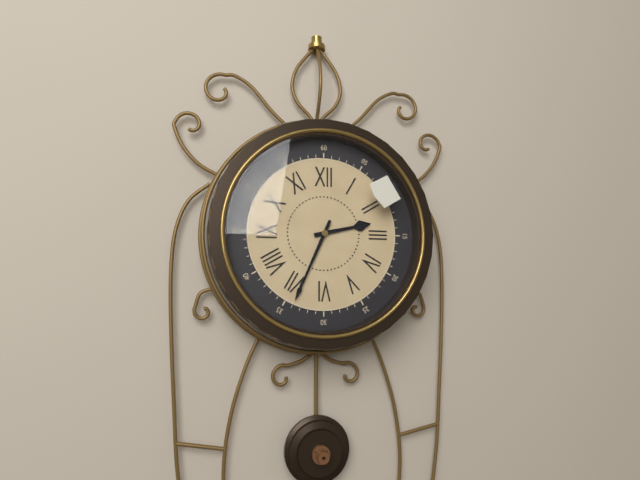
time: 2:34
